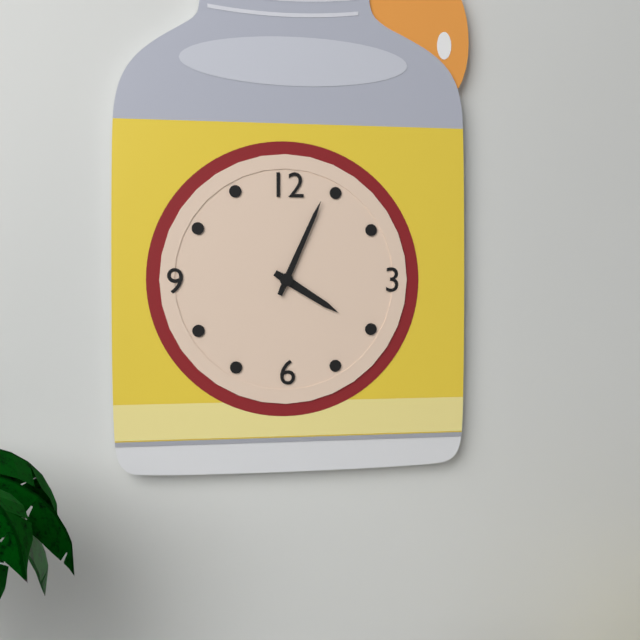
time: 4:04
